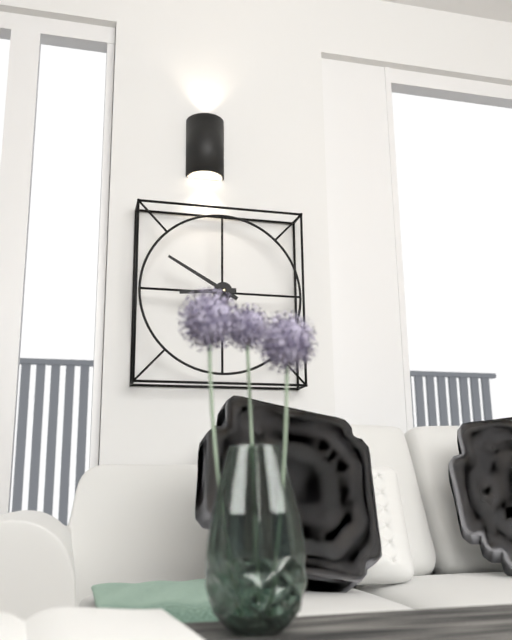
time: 8:50
